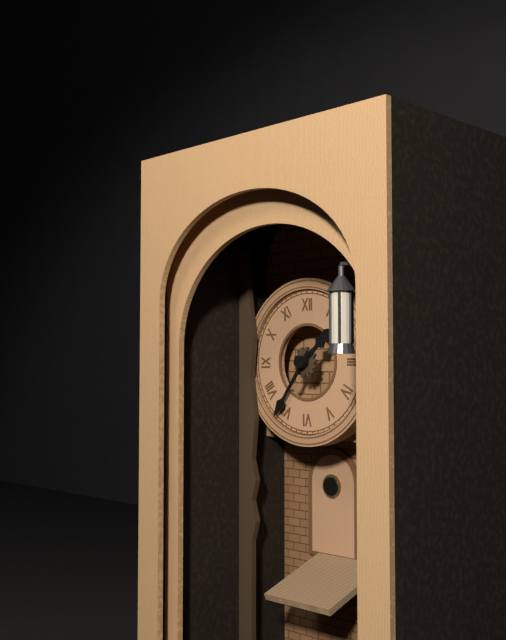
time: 1:36
